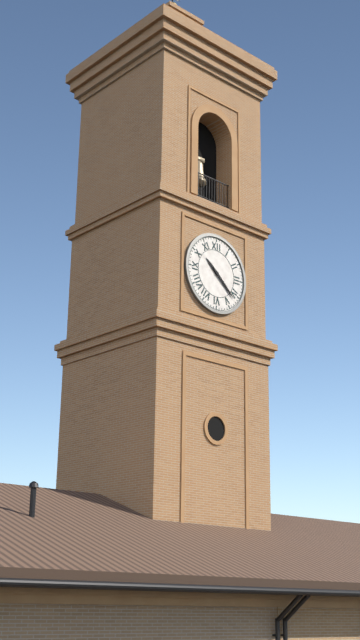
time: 10:22
